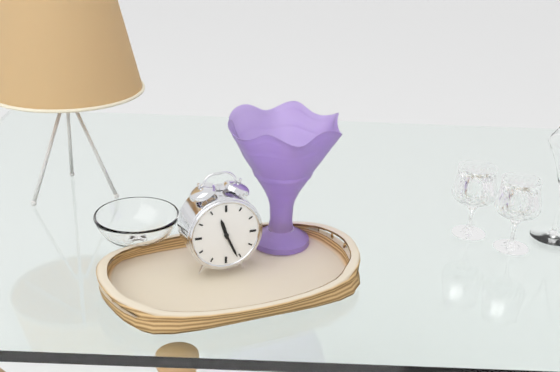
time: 11:26
